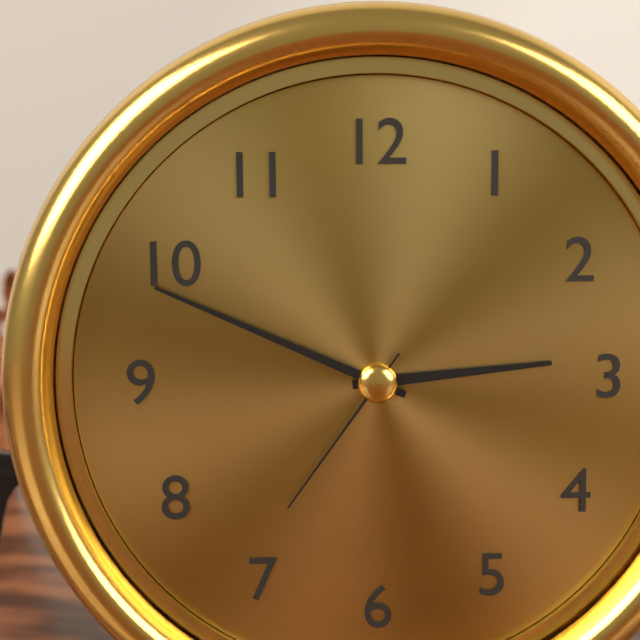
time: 2:49:36
